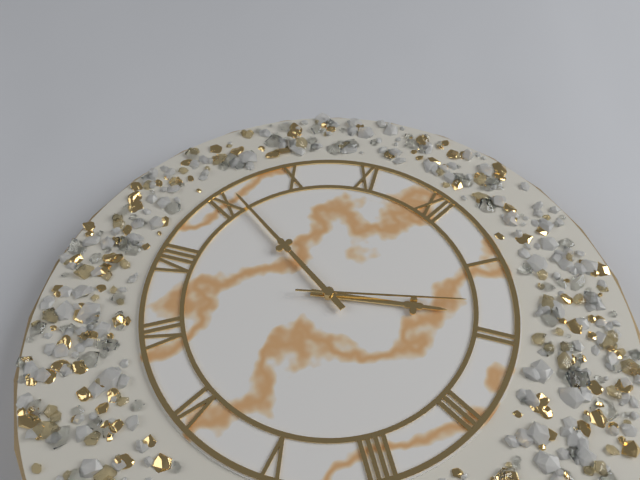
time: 1:46:08
